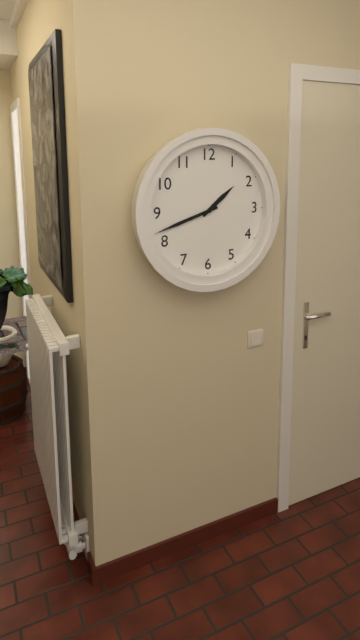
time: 1:42
